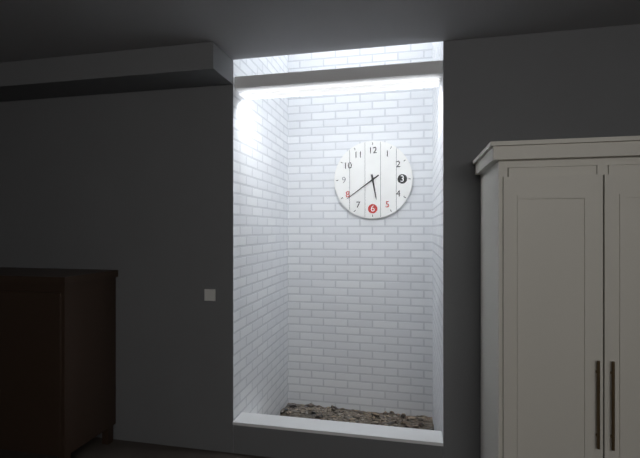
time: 5:39
